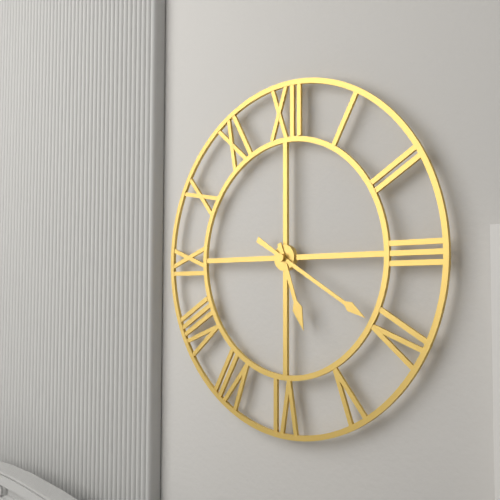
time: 5:20
